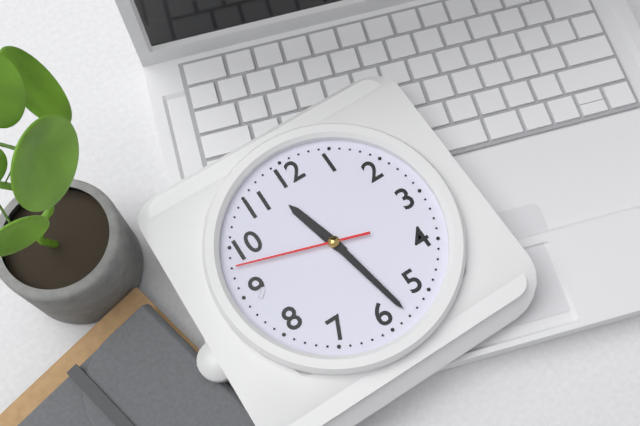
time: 11:28:48
